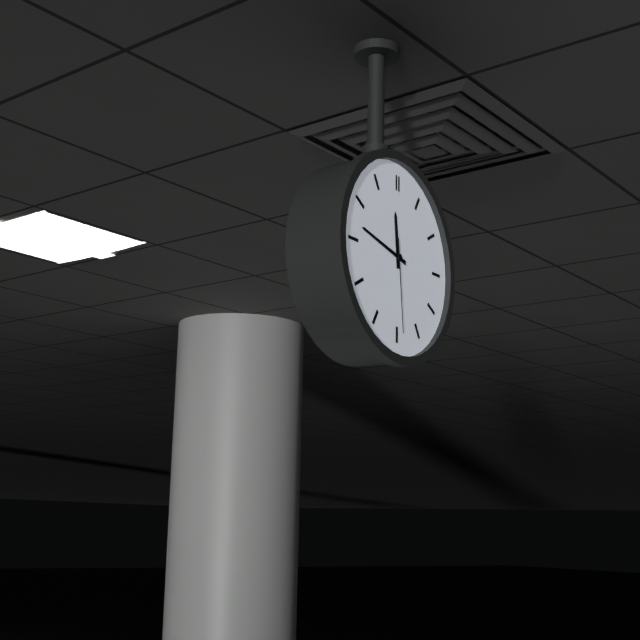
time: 11:47:29
